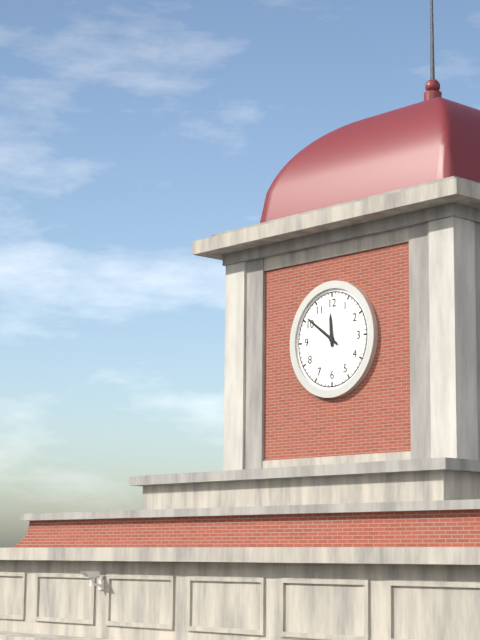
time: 11:51
